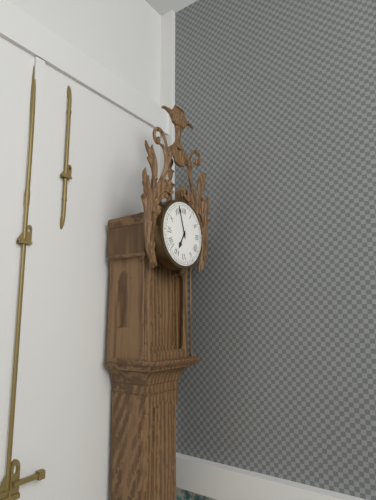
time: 6:57
